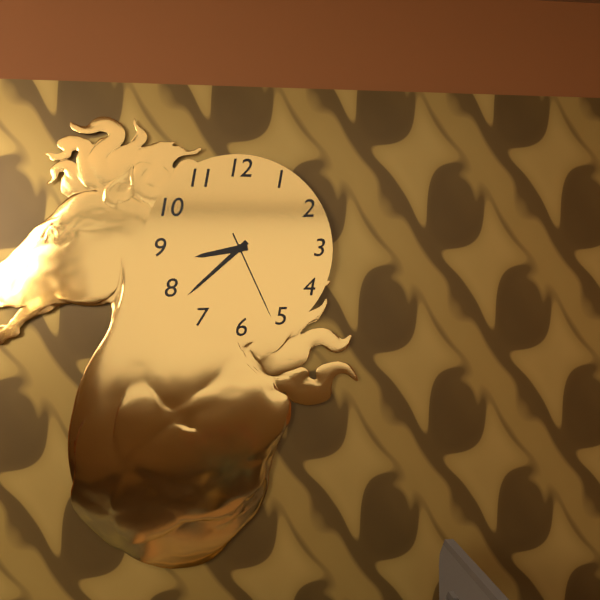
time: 8:38:26
